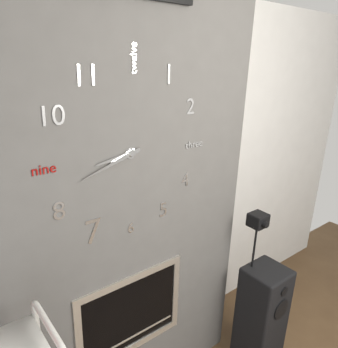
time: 8:42
